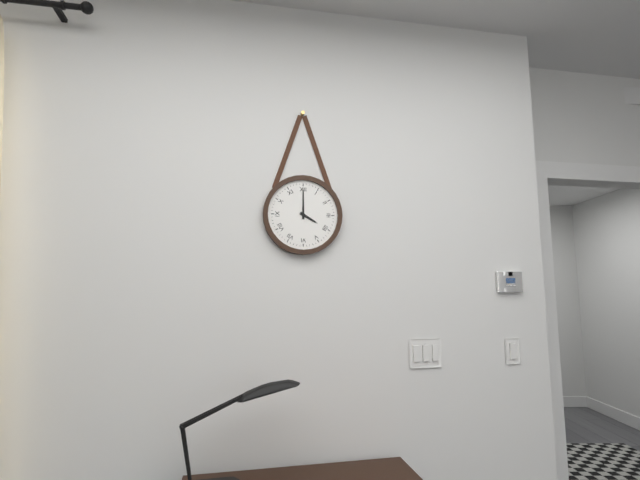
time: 4:00
